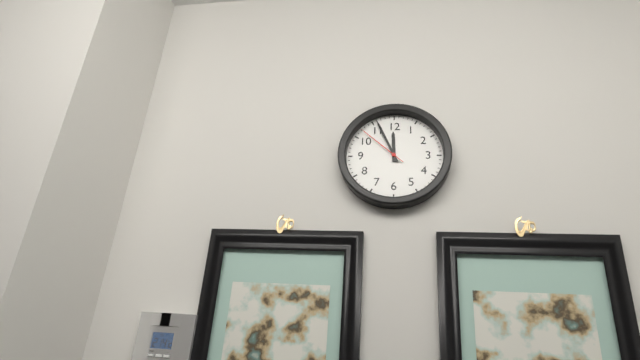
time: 11:56:52
